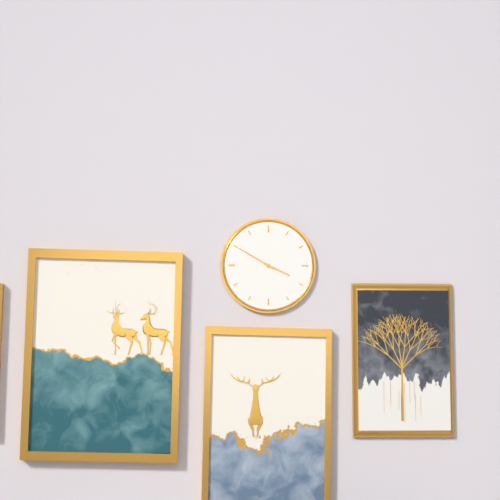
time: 3:50
